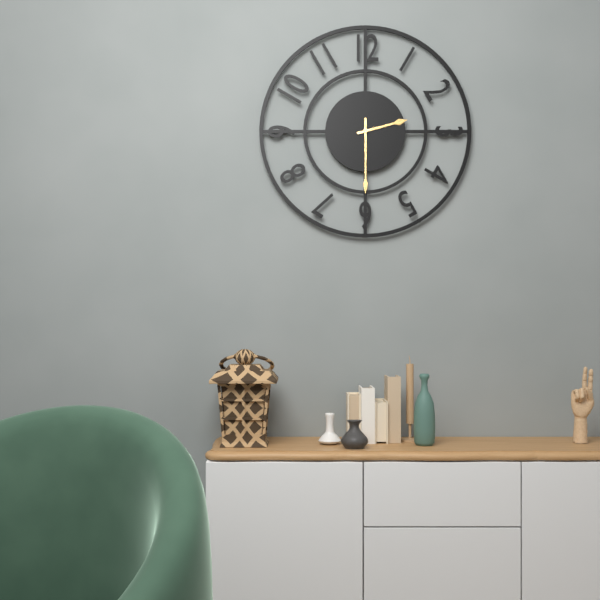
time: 2:30
